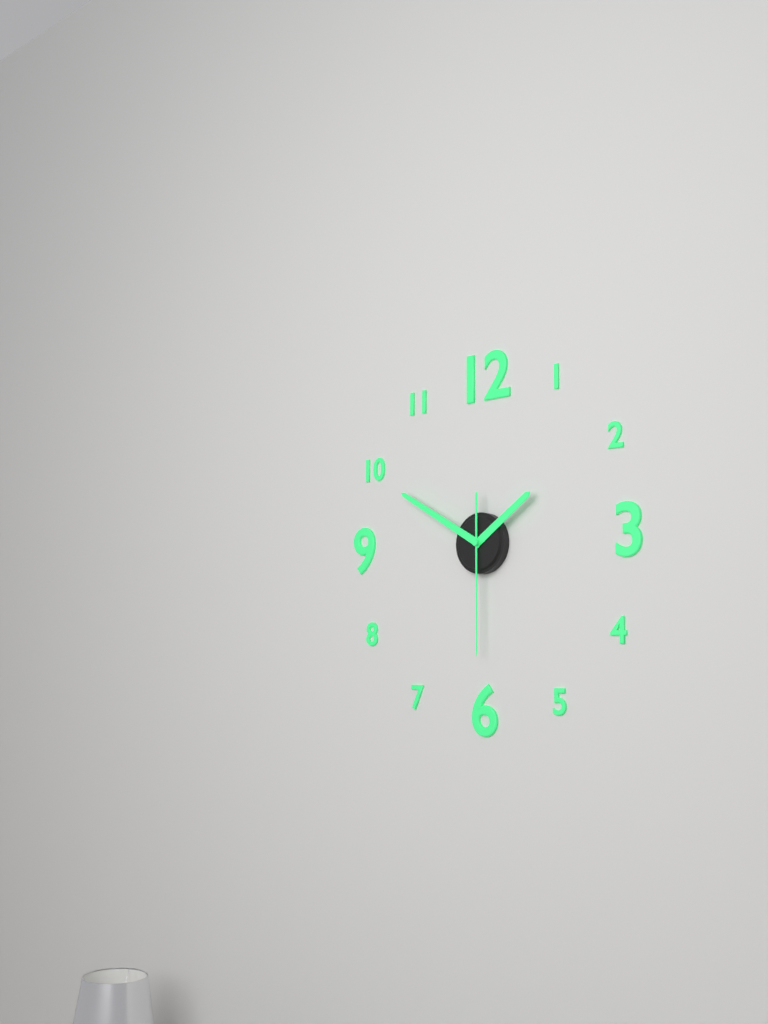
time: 1:50:30
